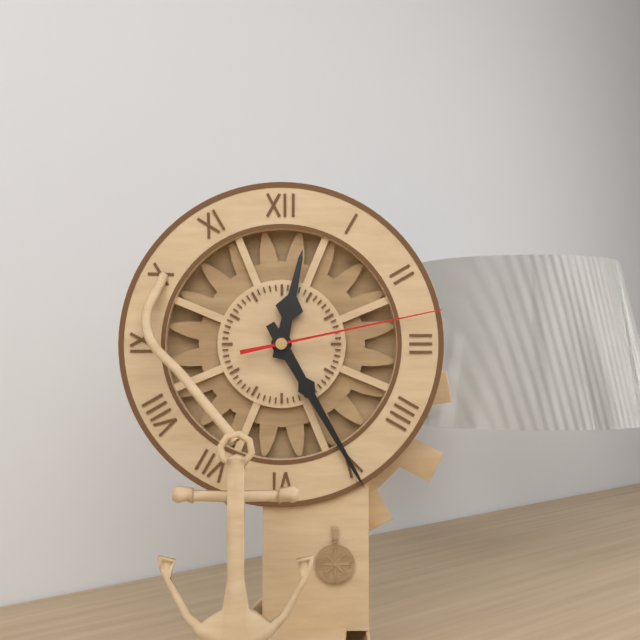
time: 12:25:13
